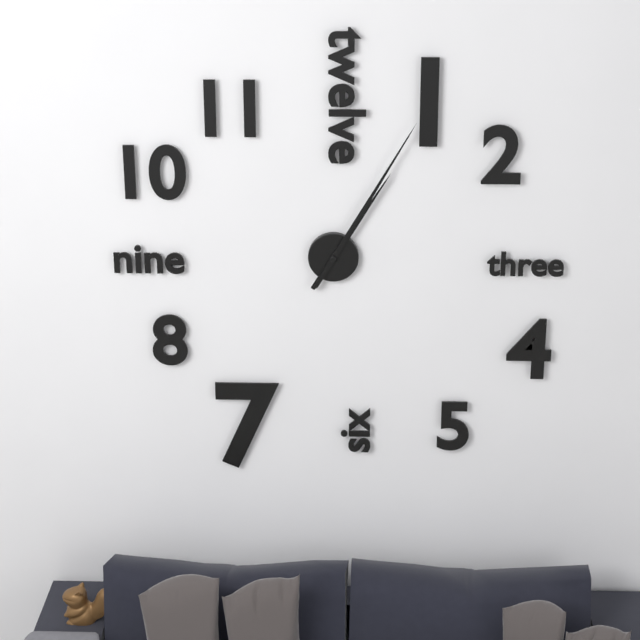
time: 1:05
